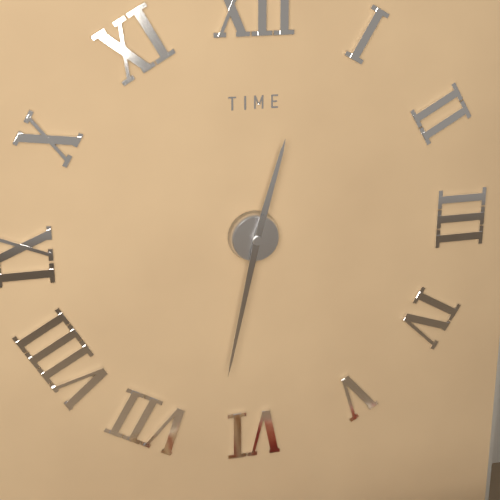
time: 12:32
